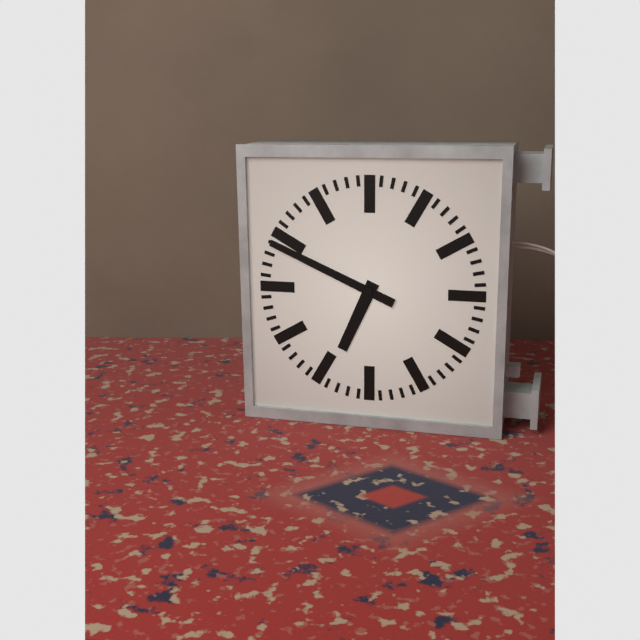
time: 6:49
